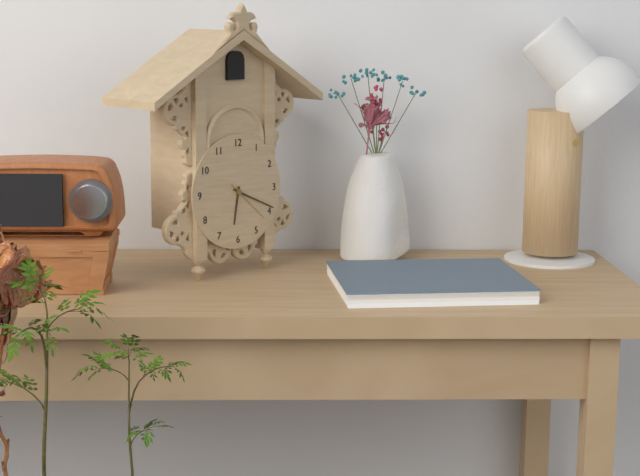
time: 6:19
